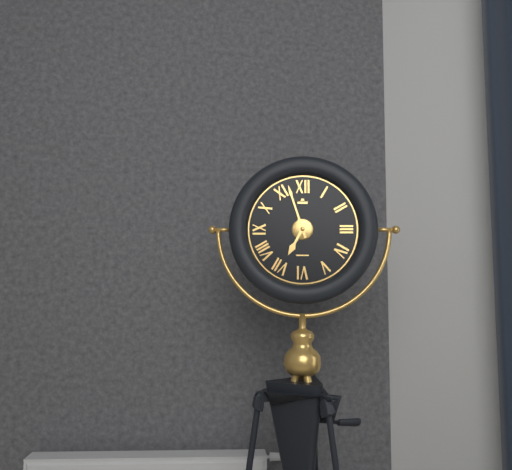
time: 6:57
